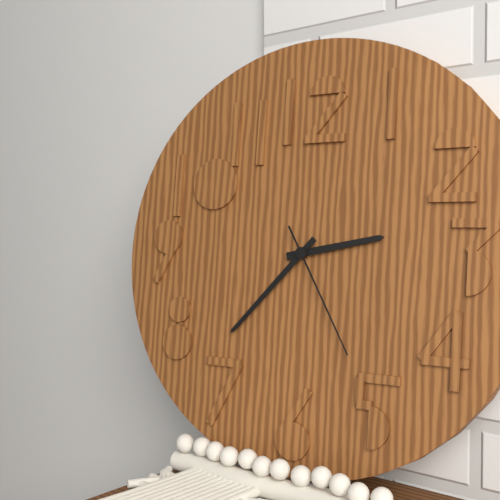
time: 2:37:25
